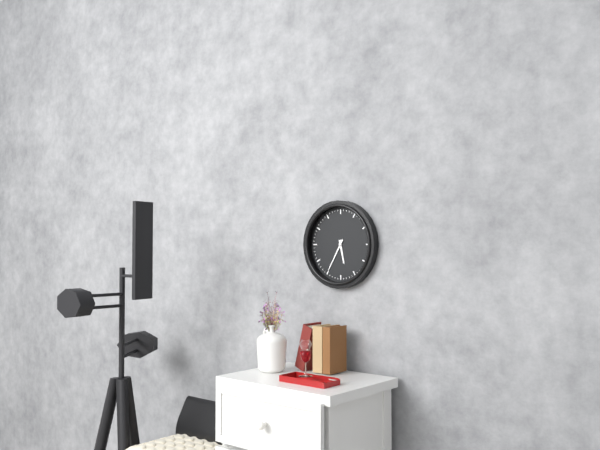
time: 5:35
